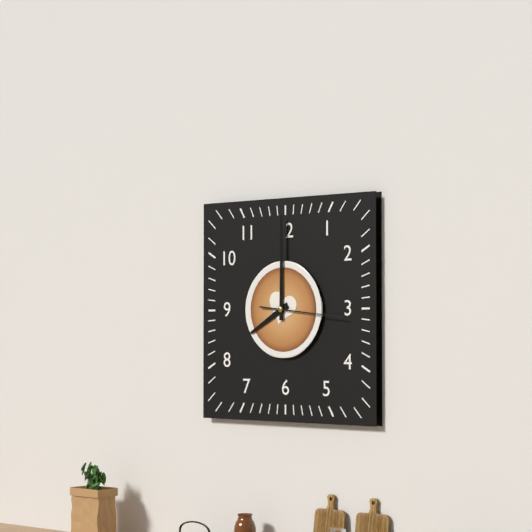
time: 8:00:16
